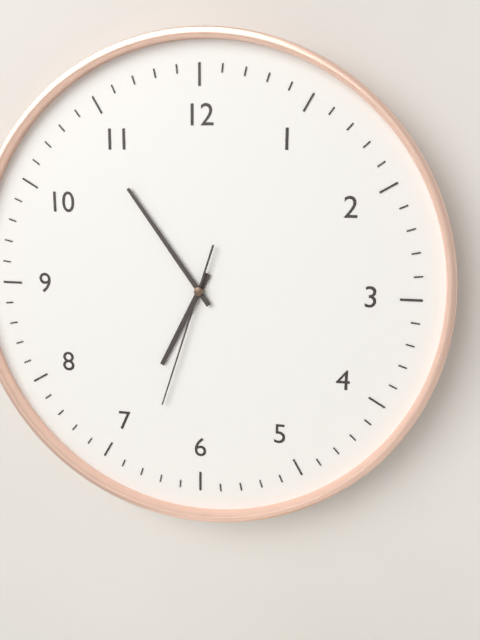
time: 6:54:33
